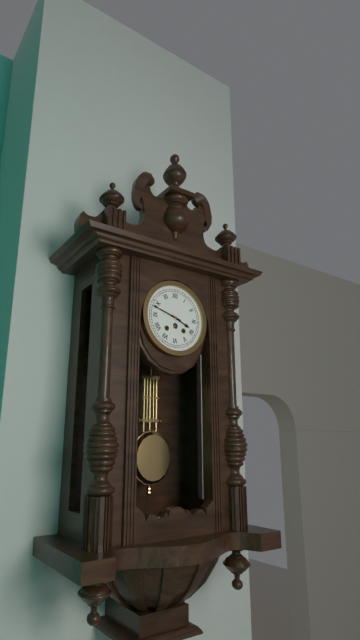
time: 3:48
